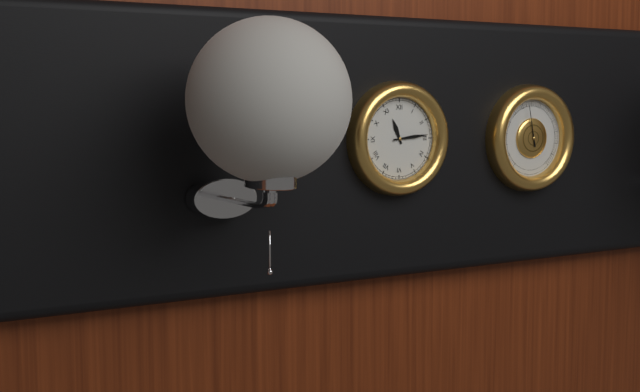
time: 11:14
